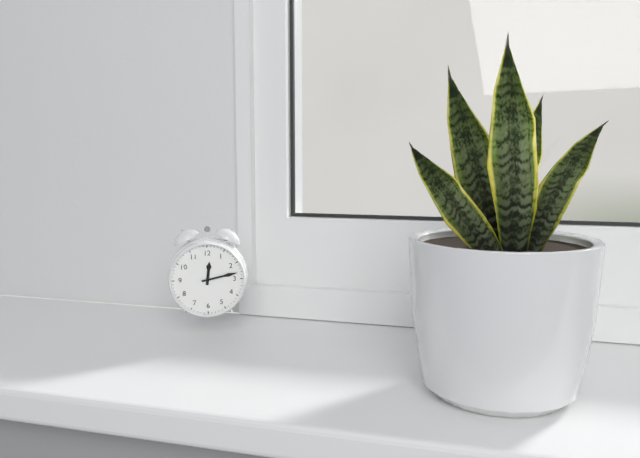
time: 12:13
